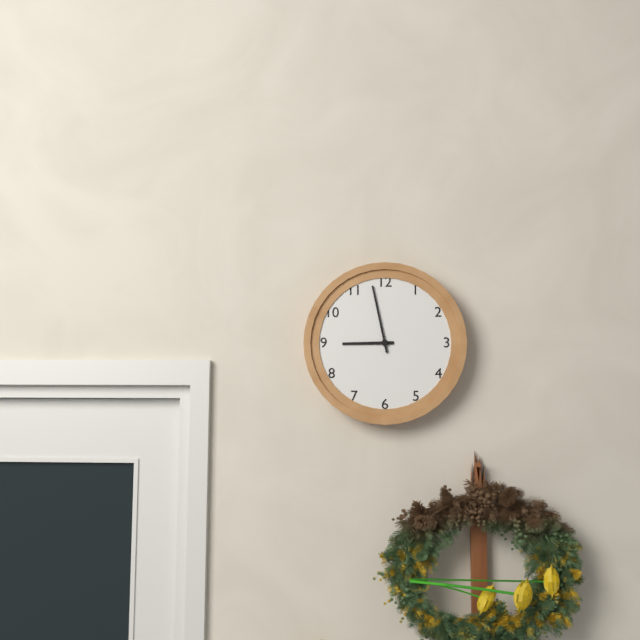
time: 8:58
